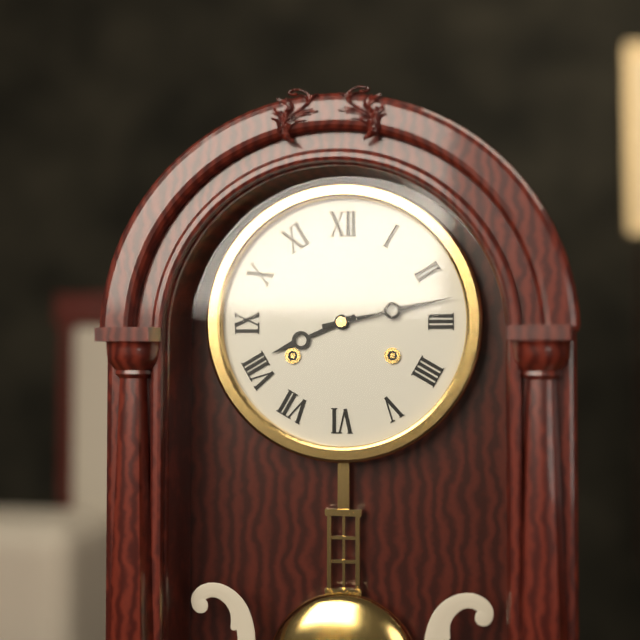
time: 8:13
